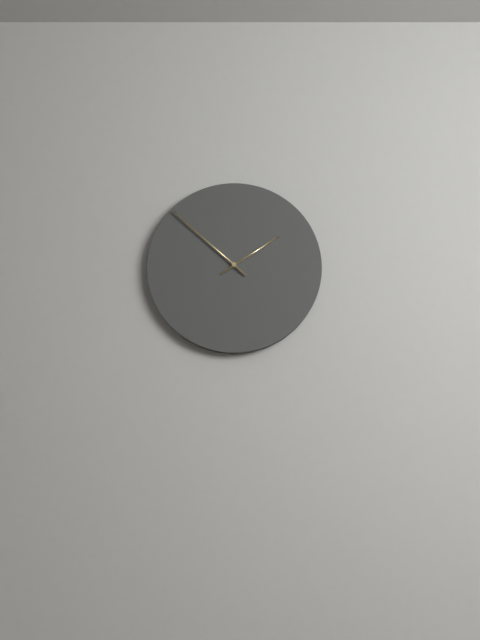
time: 1:52
